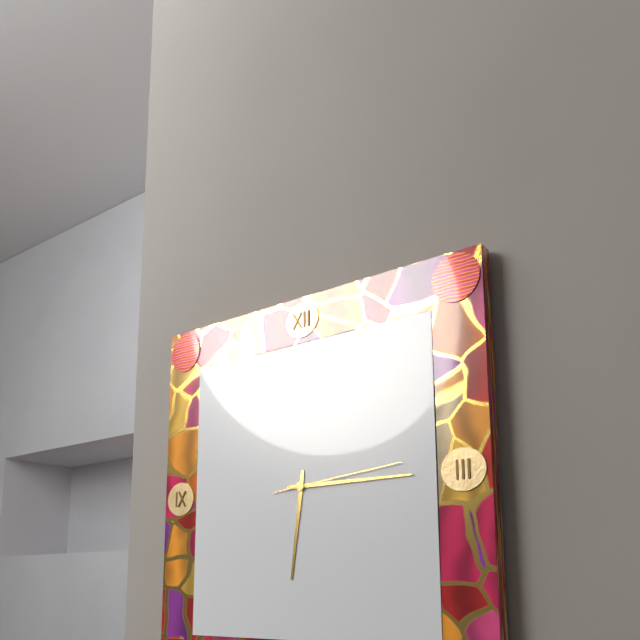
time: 6:15:14
